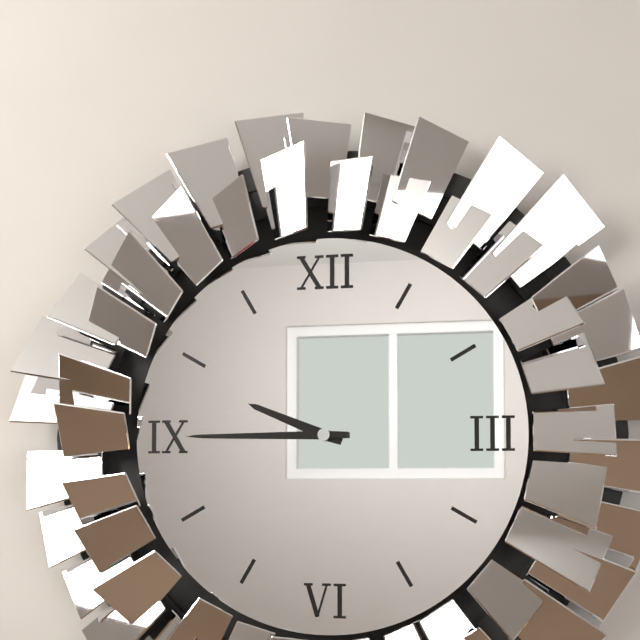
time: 9:45
